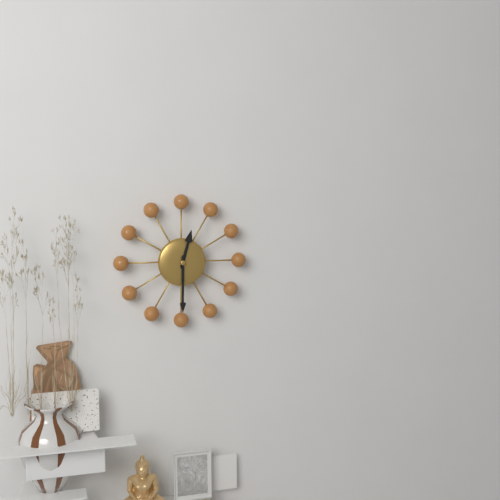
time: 12:30
